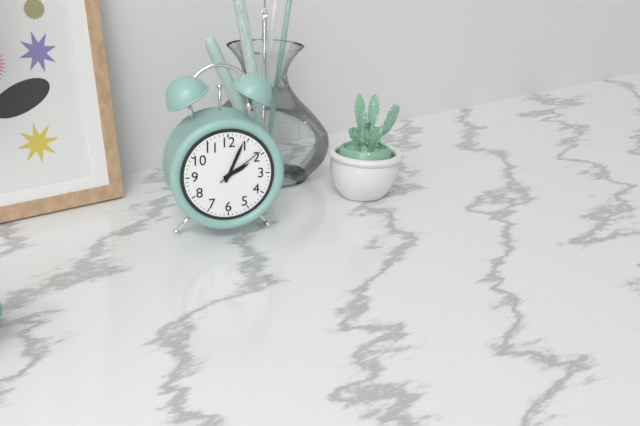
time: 2:04
